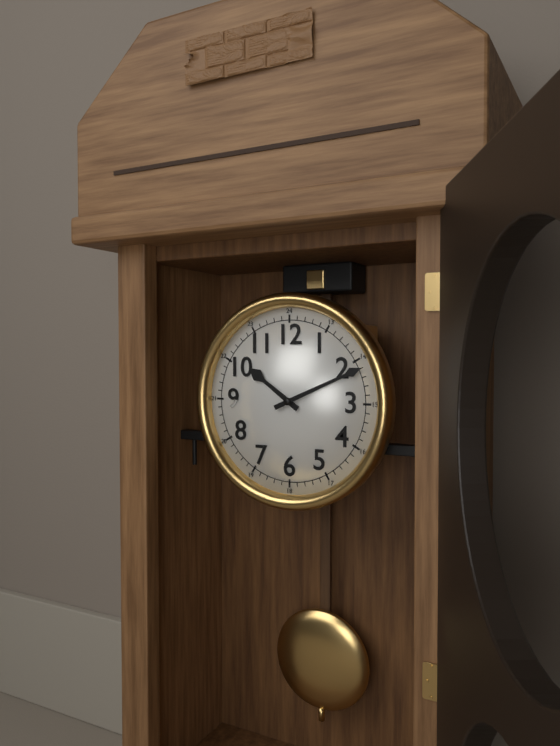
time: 10:11
